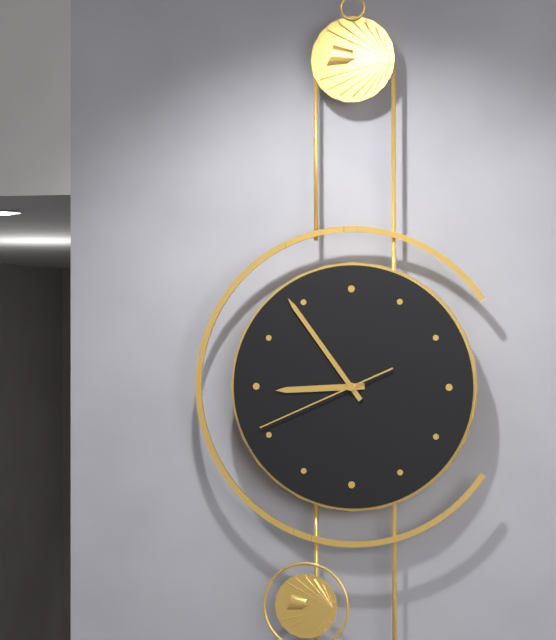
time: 8:54:41
